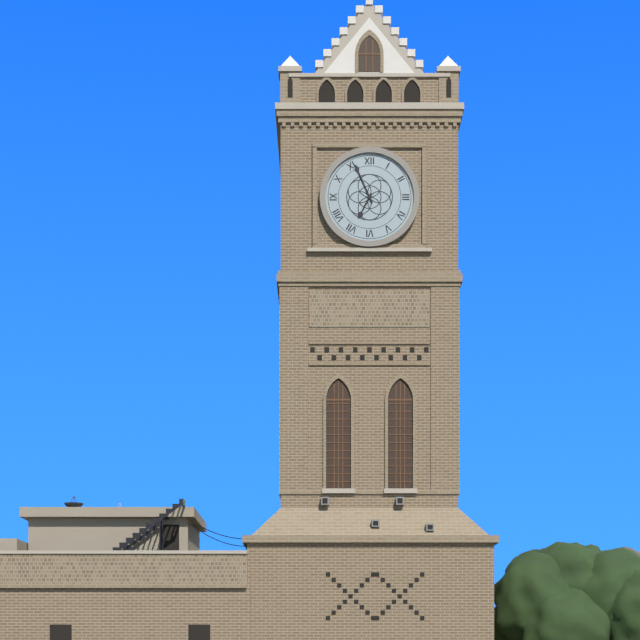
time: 6:56
